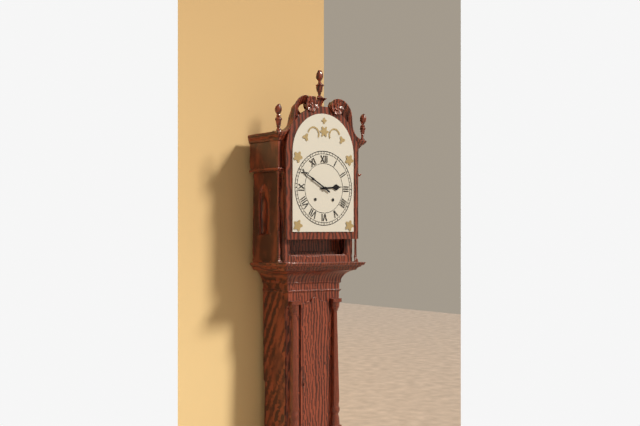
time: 2:50
